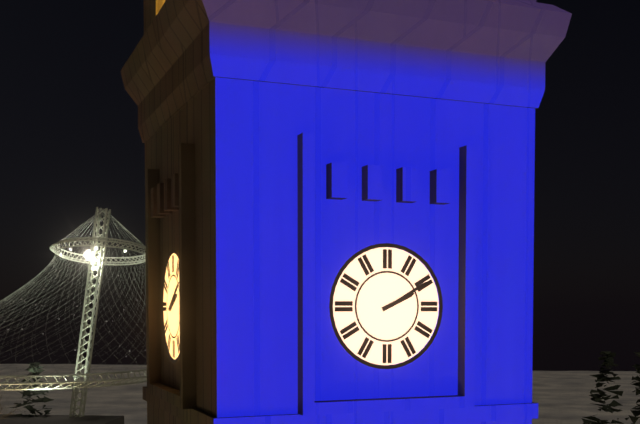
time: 2:10
